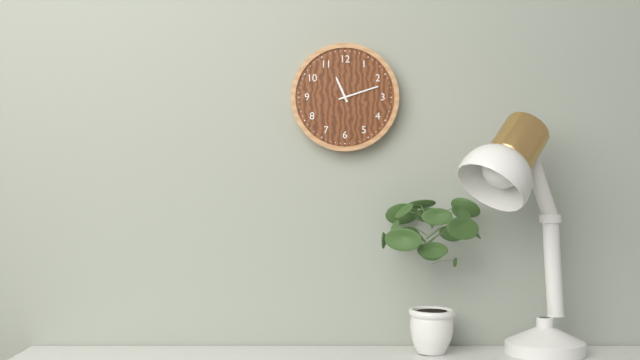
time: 11:12
